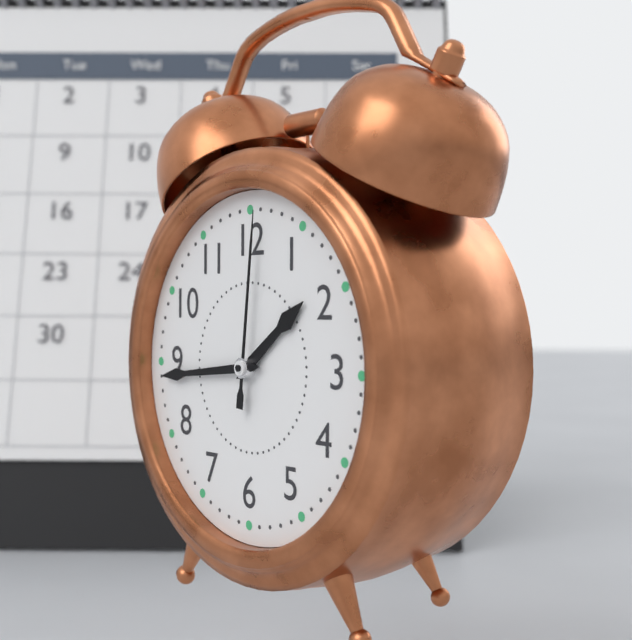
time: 1:44:01
